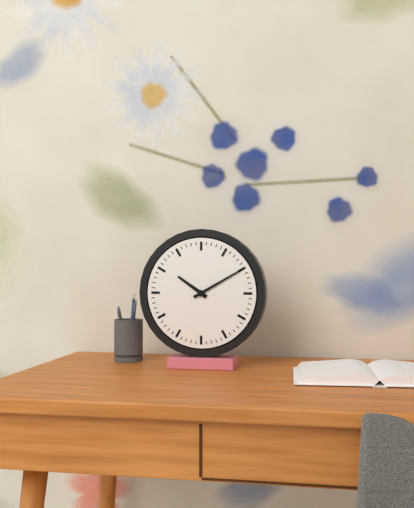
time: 10:10
